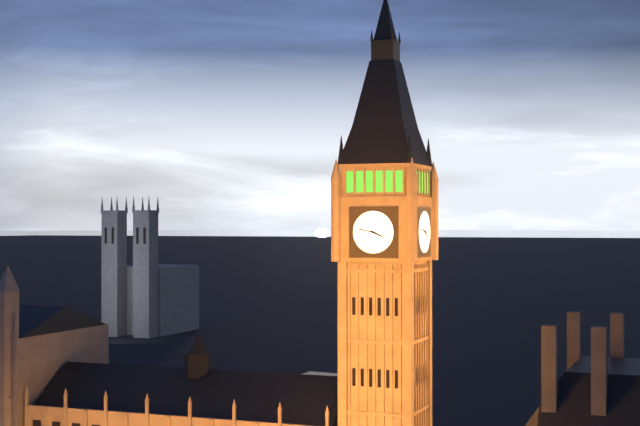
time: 3:47
